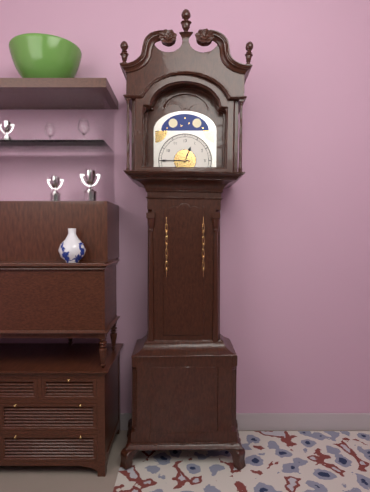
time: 12:45
